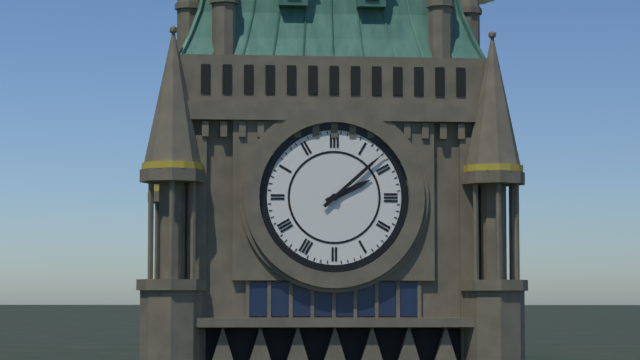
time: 2:08
